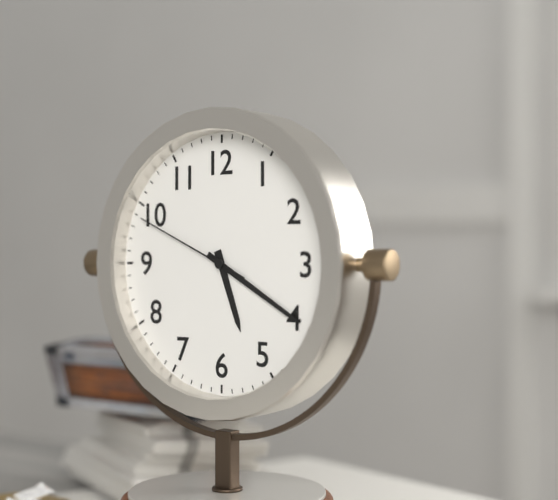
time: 5:20:49
